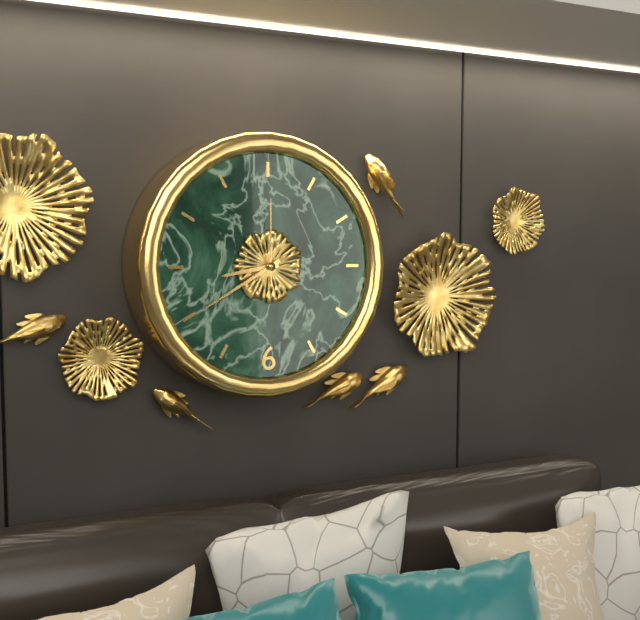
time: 8:40:00
